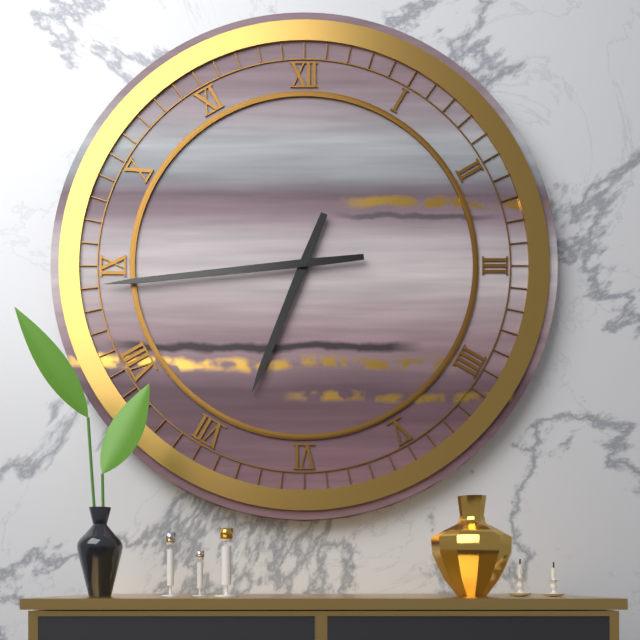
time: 6:44
